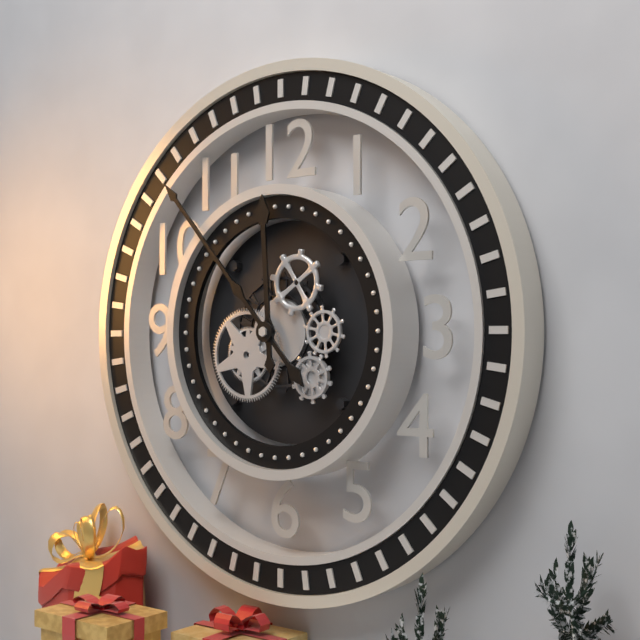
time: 11:53
